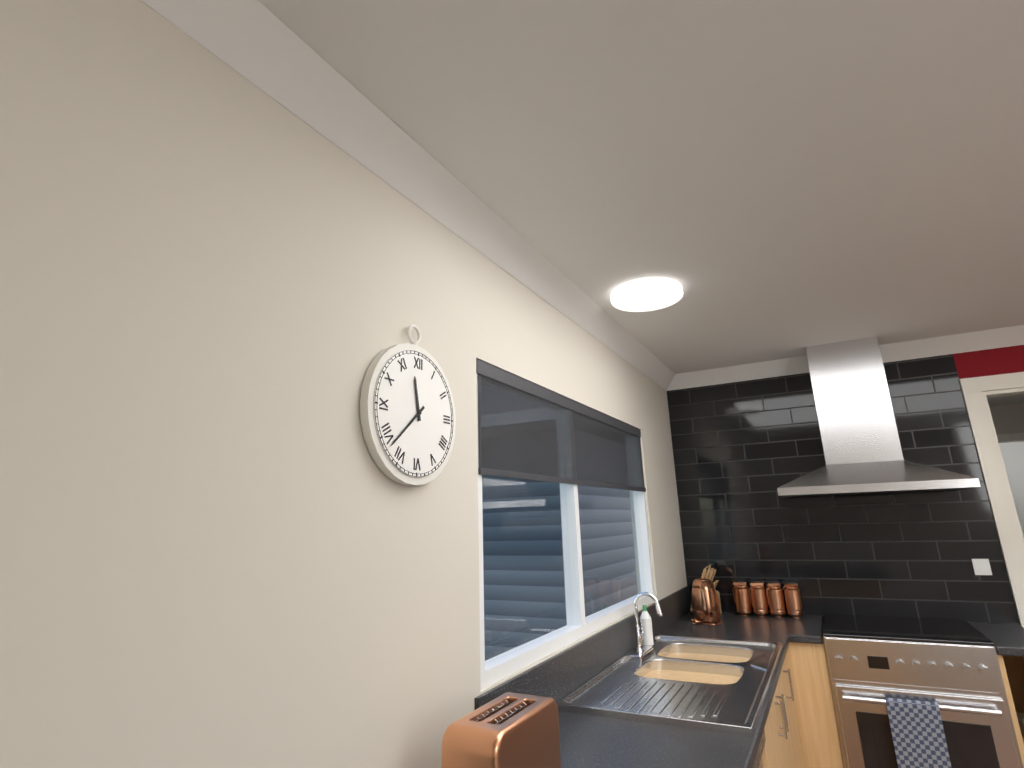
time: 11:38
